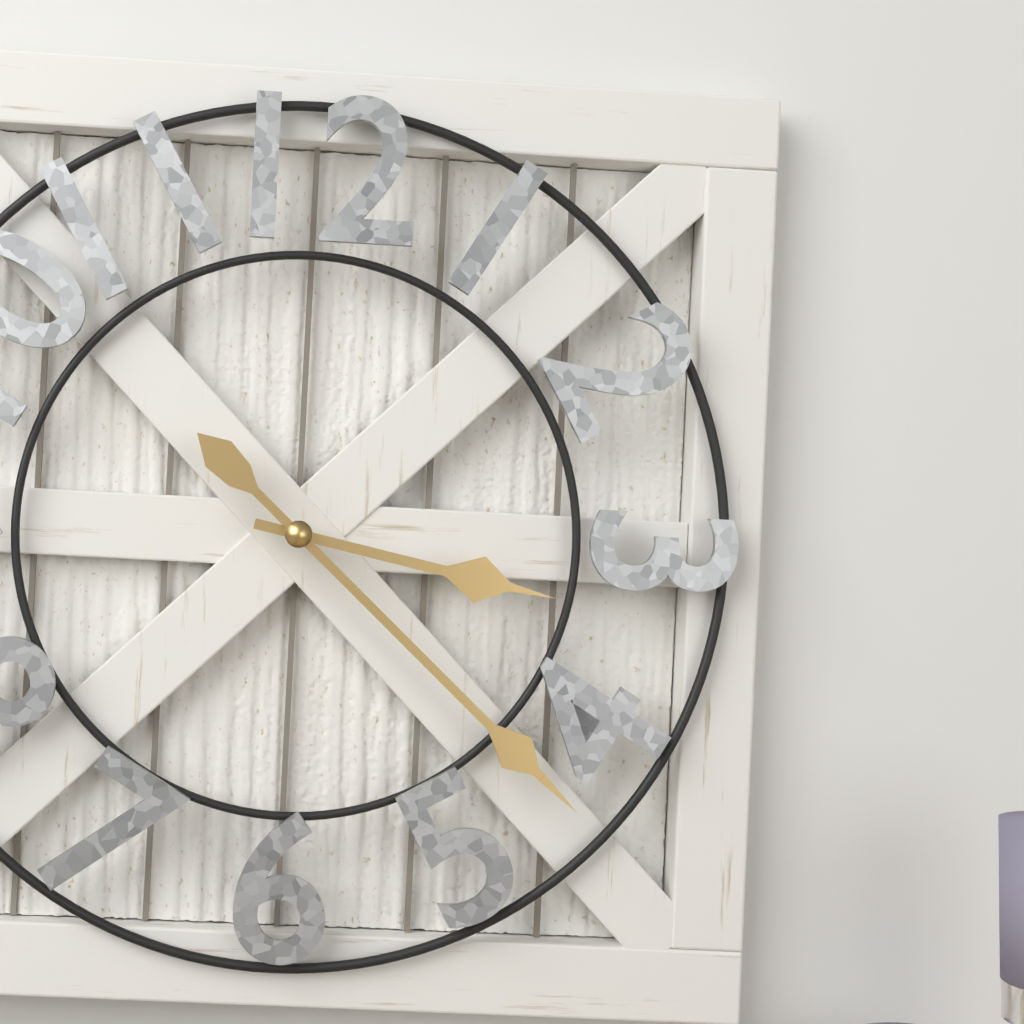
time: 3:22
